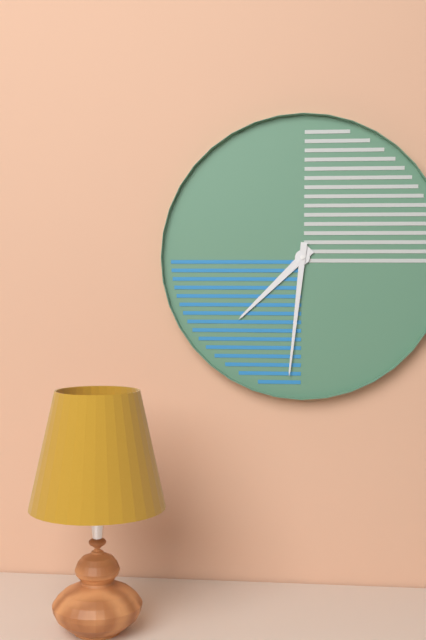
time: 7:31
